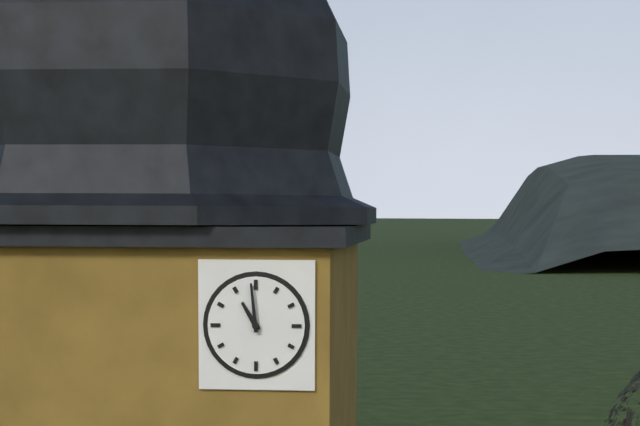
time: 10:59
